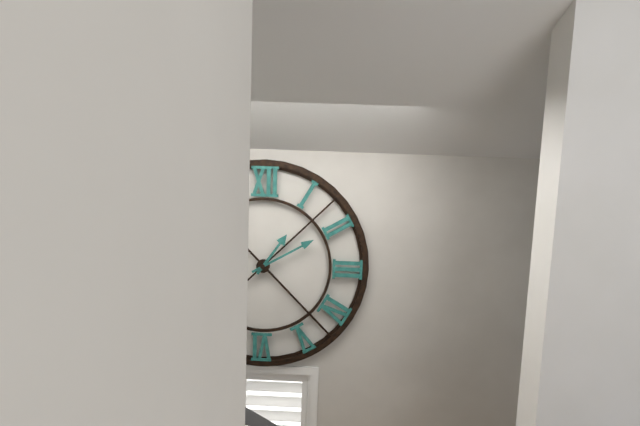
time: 1:10
